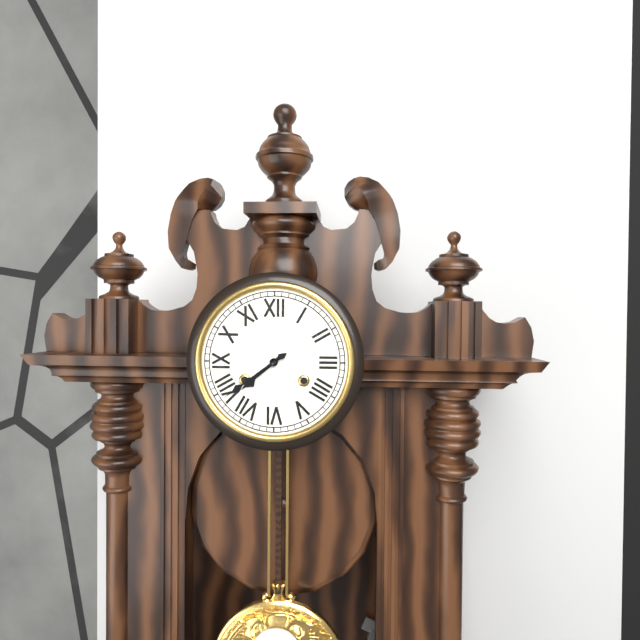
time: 7:39
